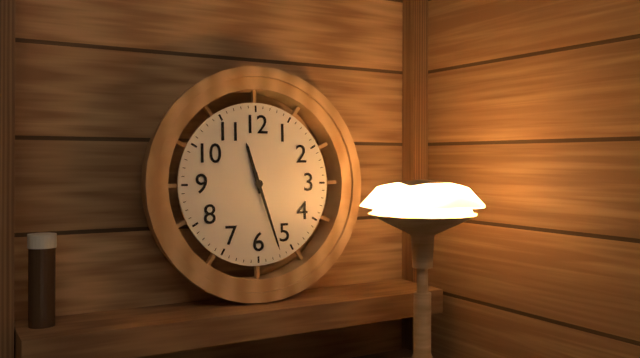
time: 11:27
